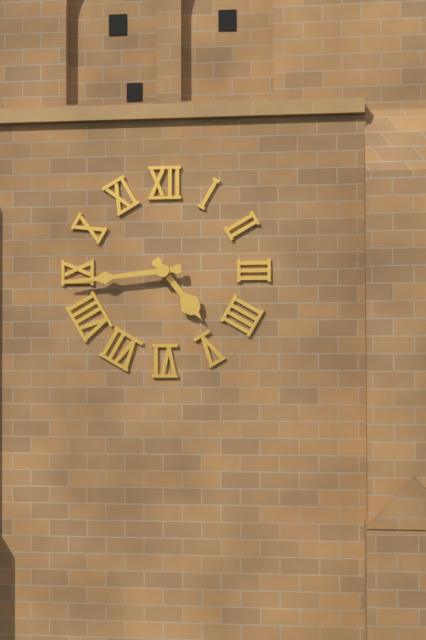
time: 4:44
